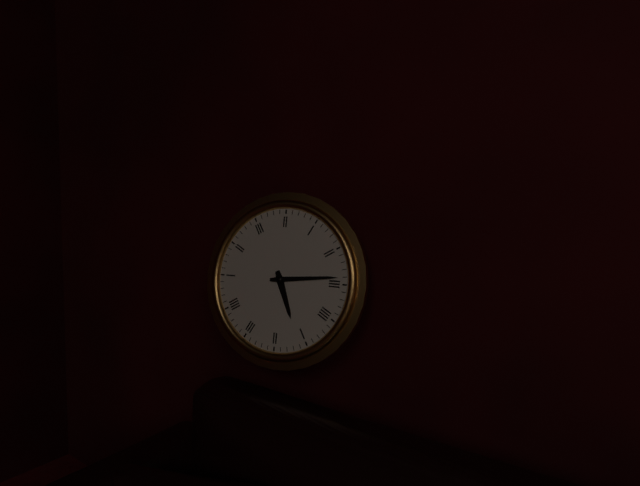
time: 5:14
